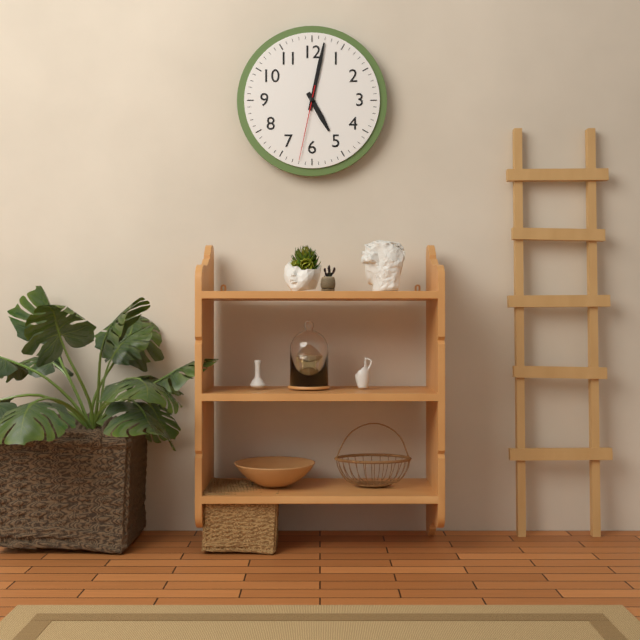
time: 5:02:32
